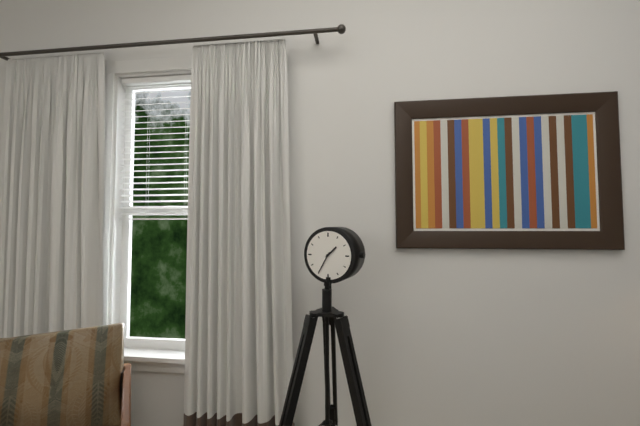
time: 1:35
